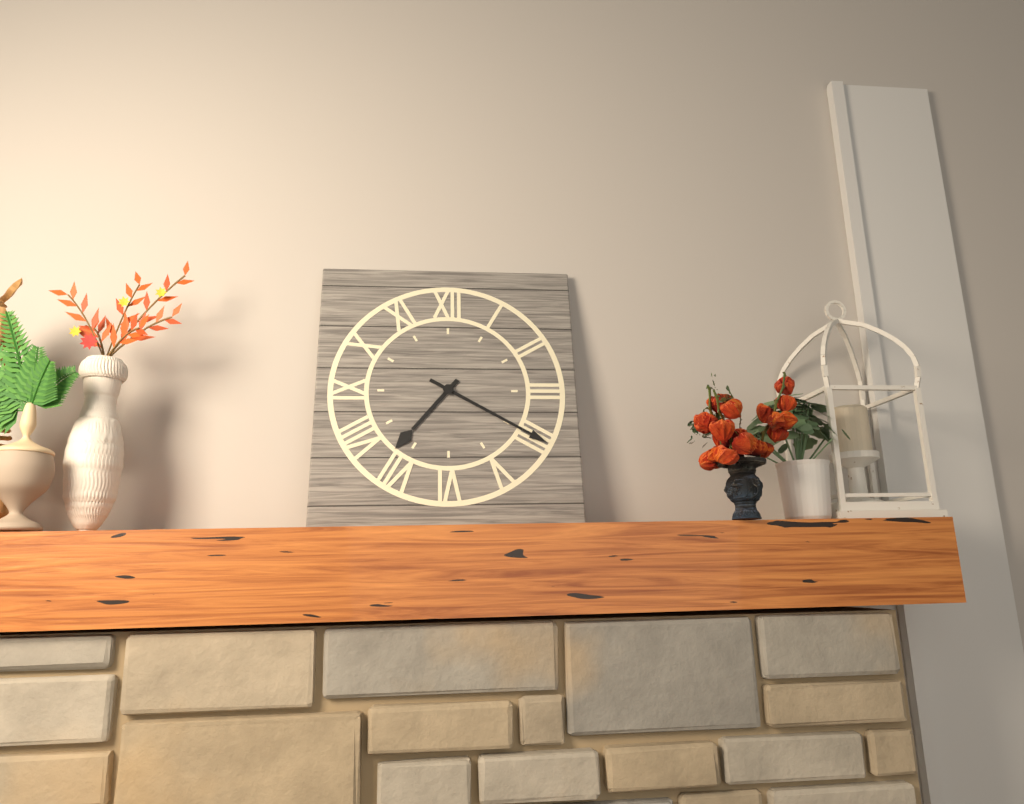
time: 7:20
